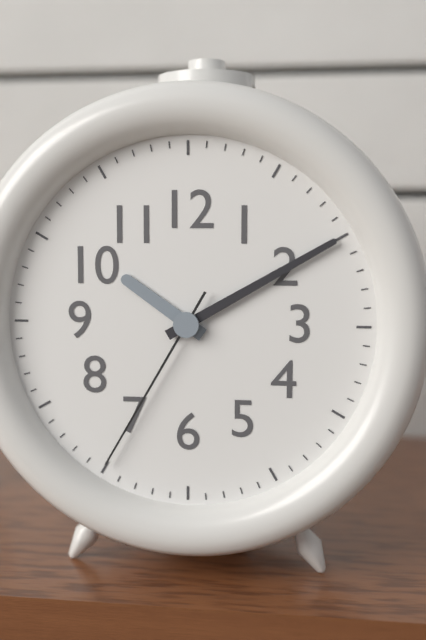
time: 10:10:35
